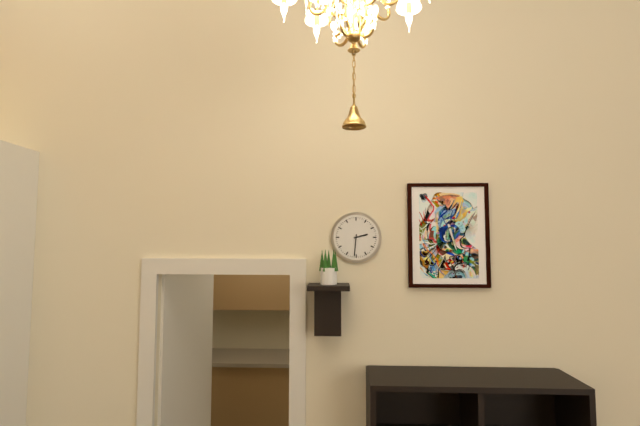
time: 2:31
